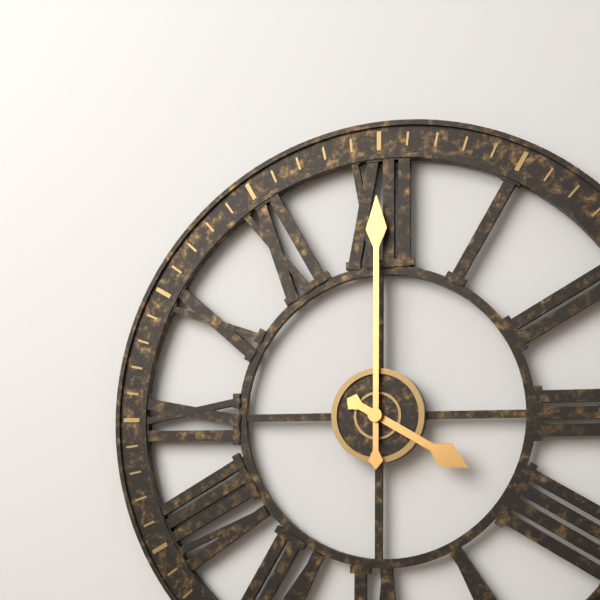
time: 4:00
